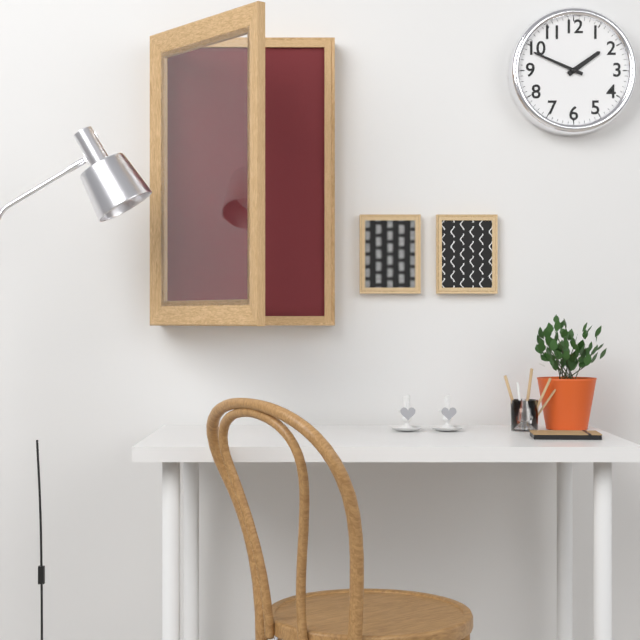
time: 1:49
